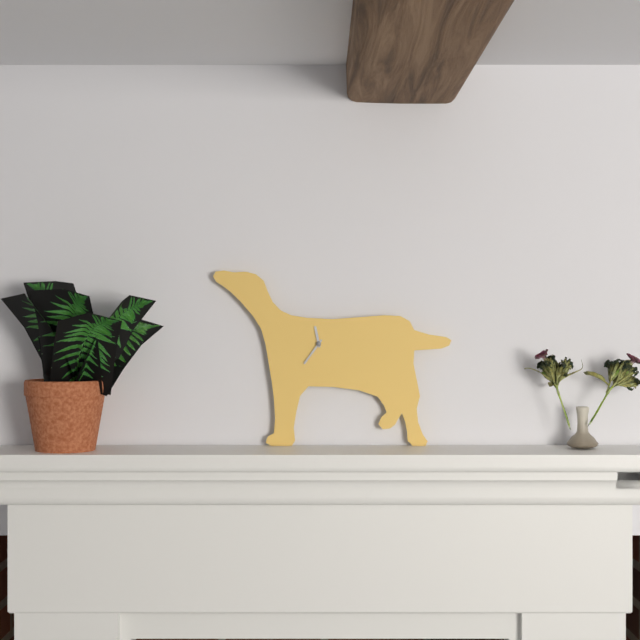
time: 11:36
